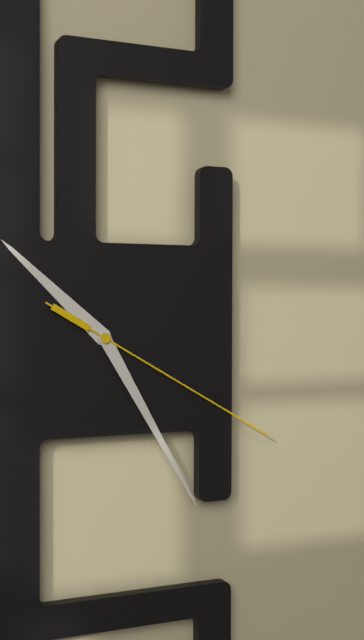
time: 10:25:20
